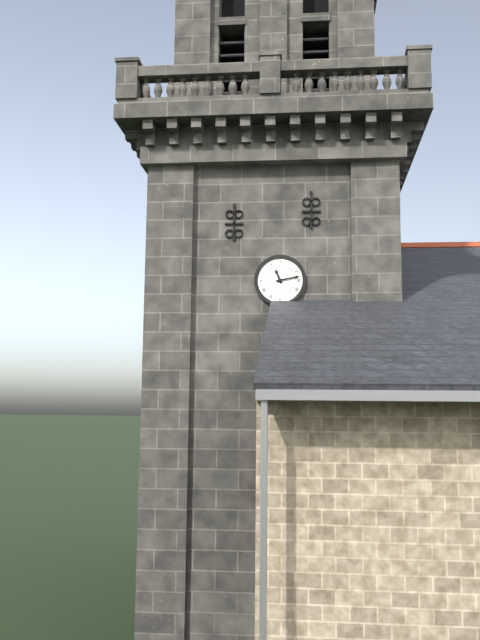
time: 11:13
